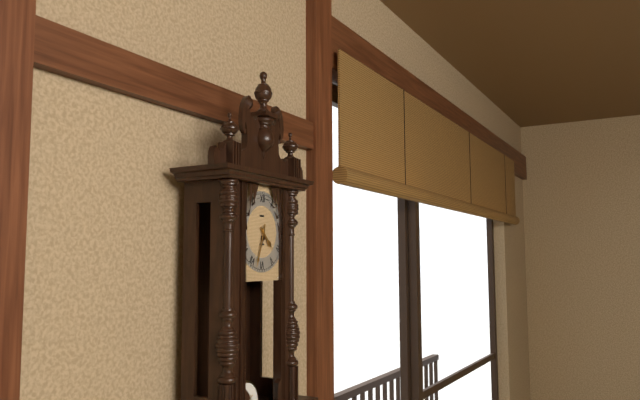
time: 4:33
